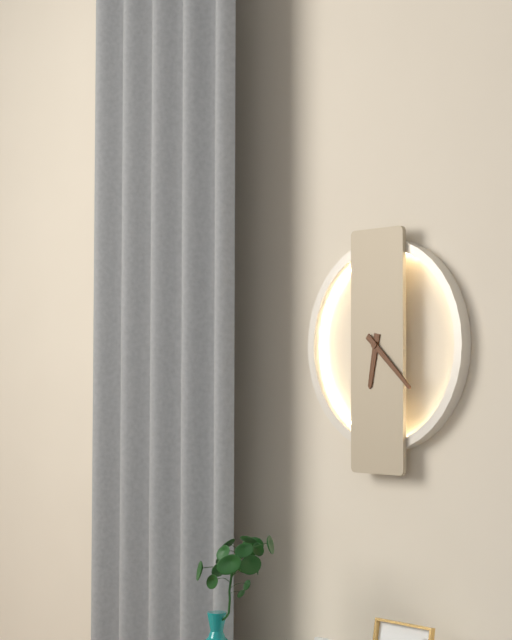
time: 6:22
